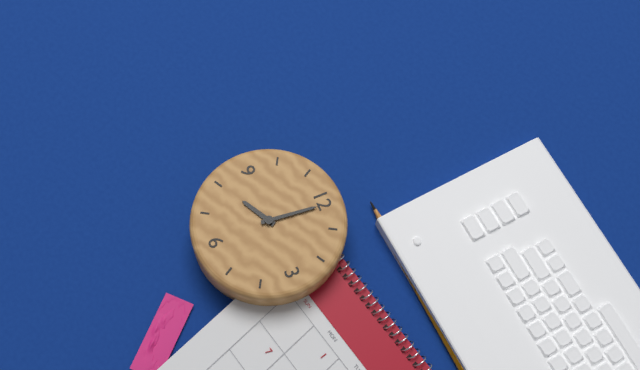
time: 8:01
